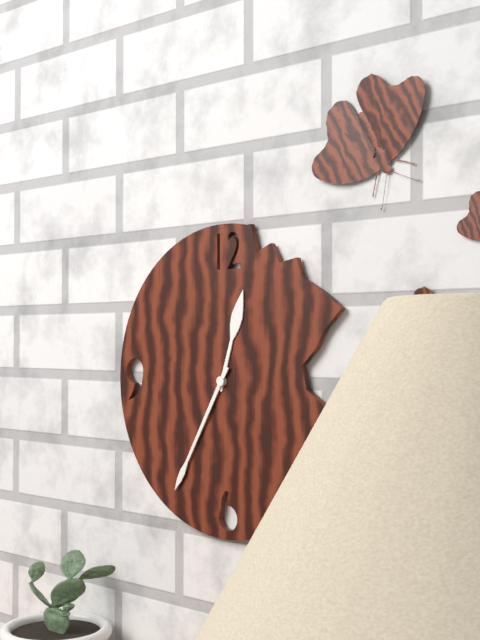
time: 12:35
